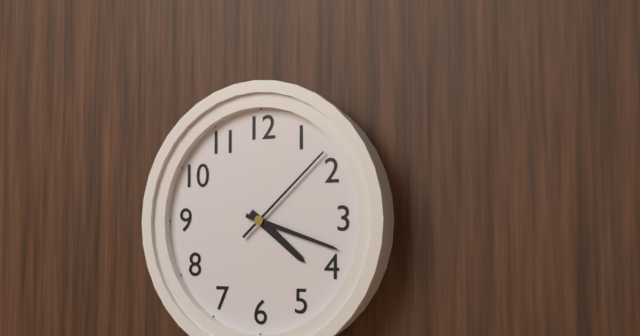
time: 4:18:08
